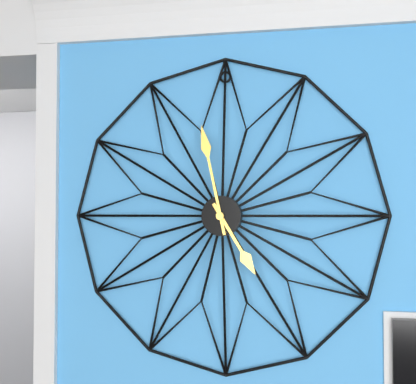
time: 4:58
